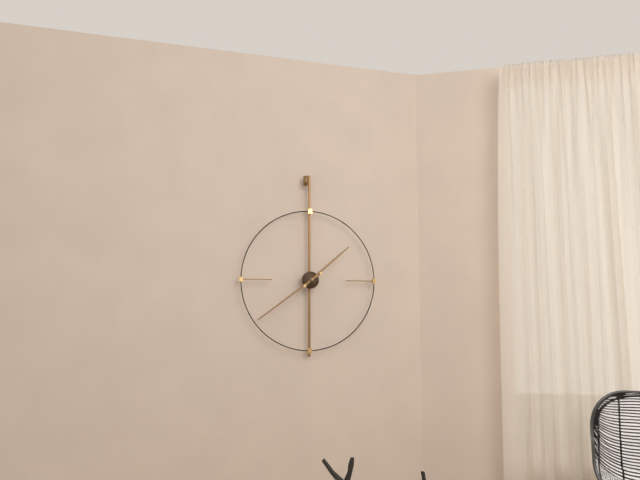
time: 1:39
